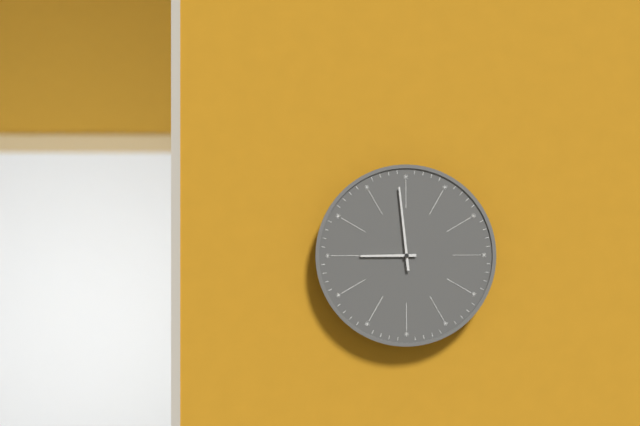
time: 8:59
